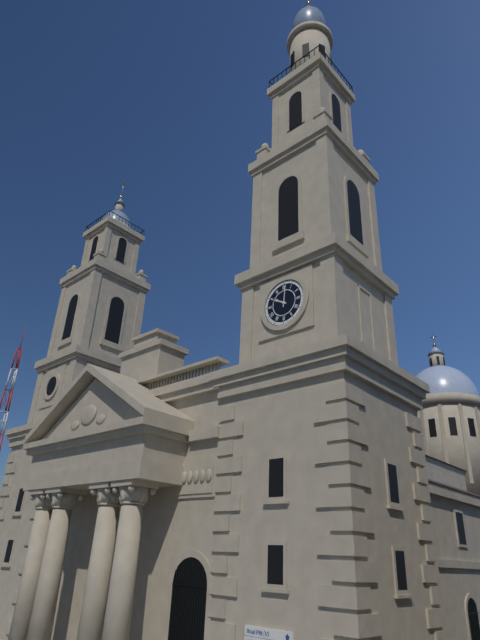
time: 10:01
